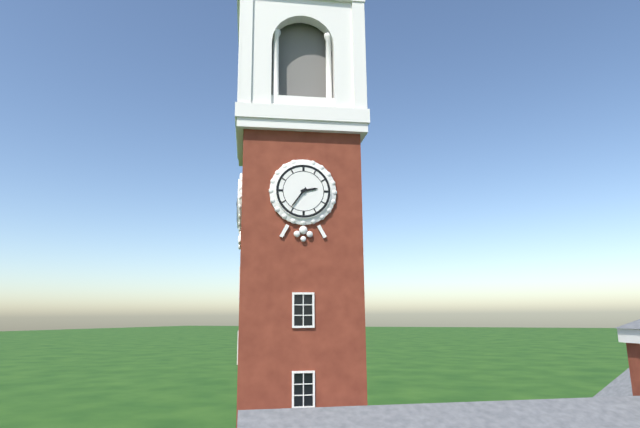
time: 2:36
